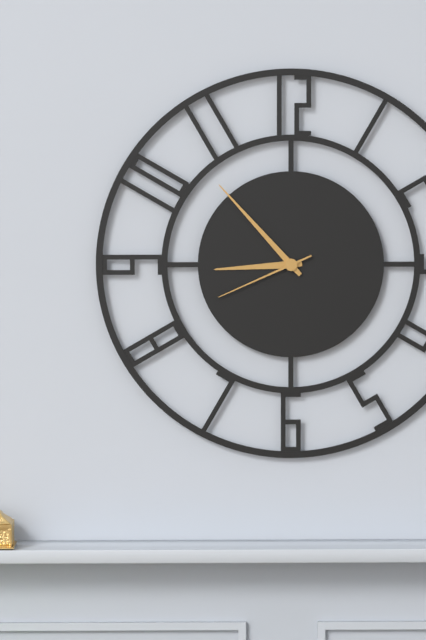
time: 8:53:41
